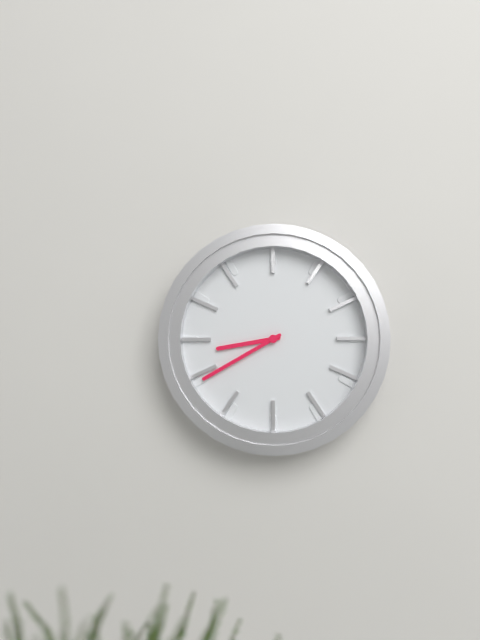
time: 8:40
